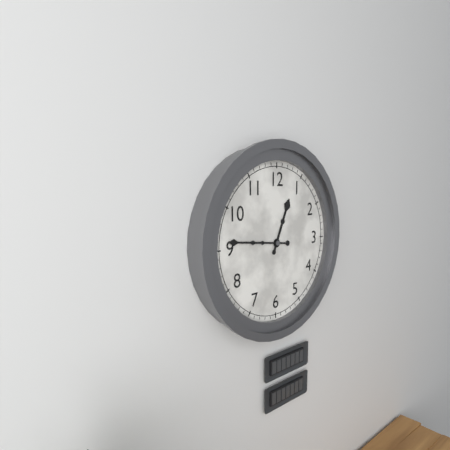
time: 12:46
